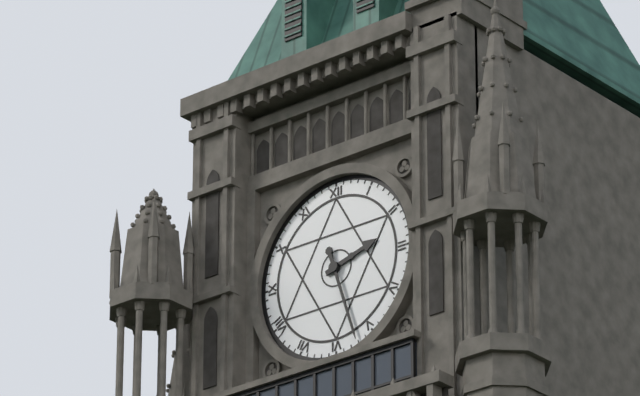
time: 2:27
